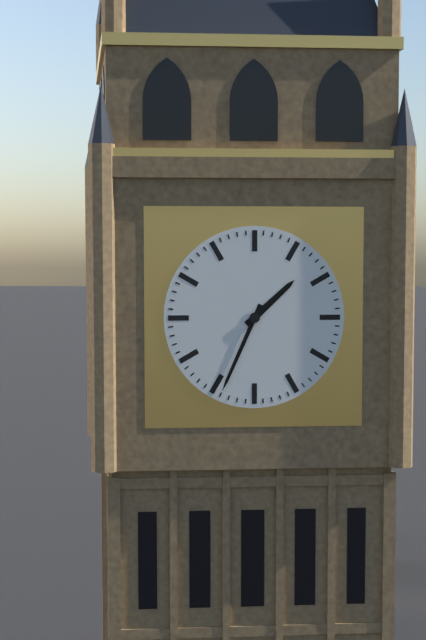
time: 1:34
